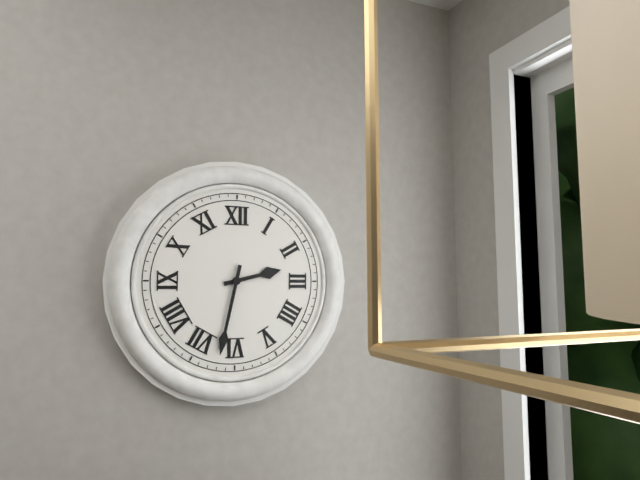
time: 2:32
